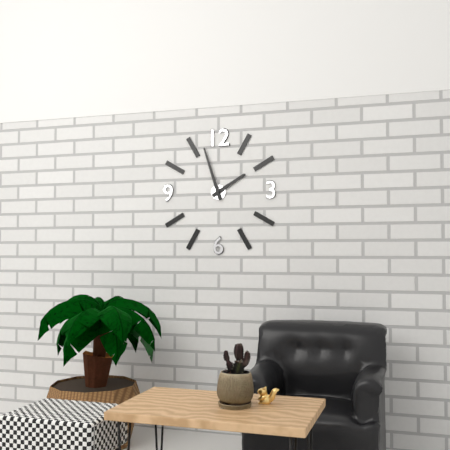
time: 1:57
